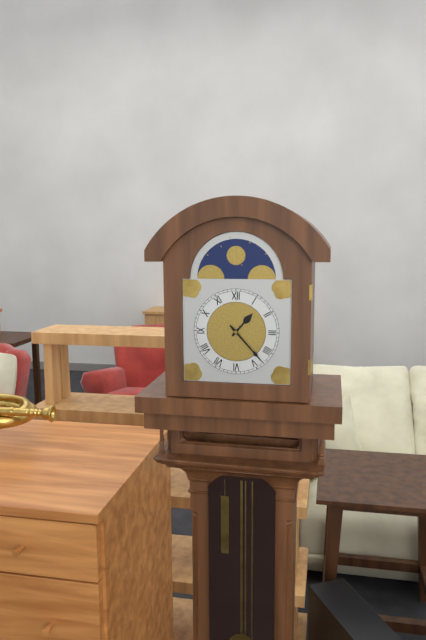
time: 1:23
